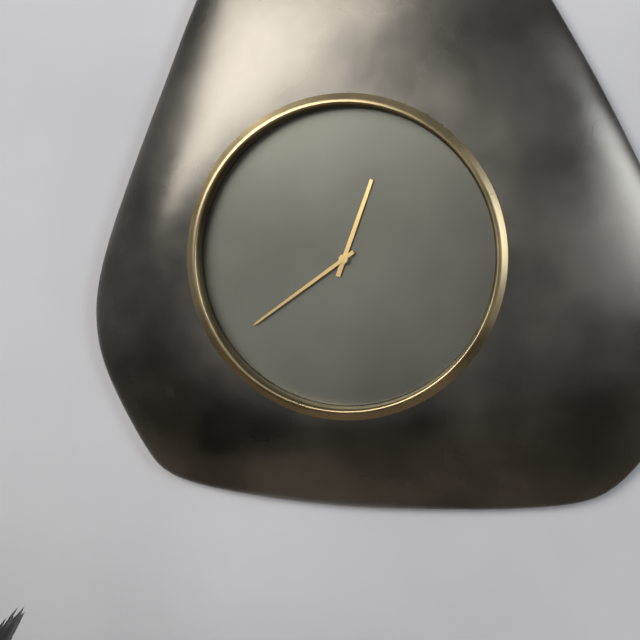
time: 12:39
